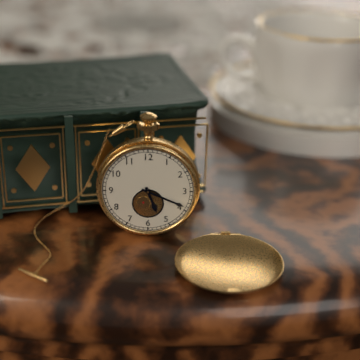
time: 5:19
